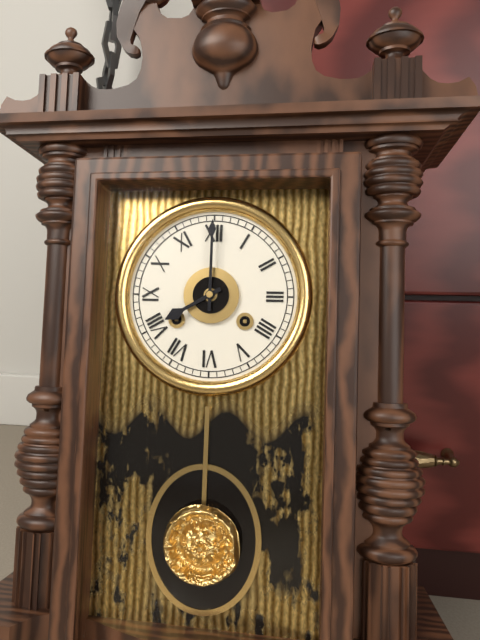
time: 8:00
